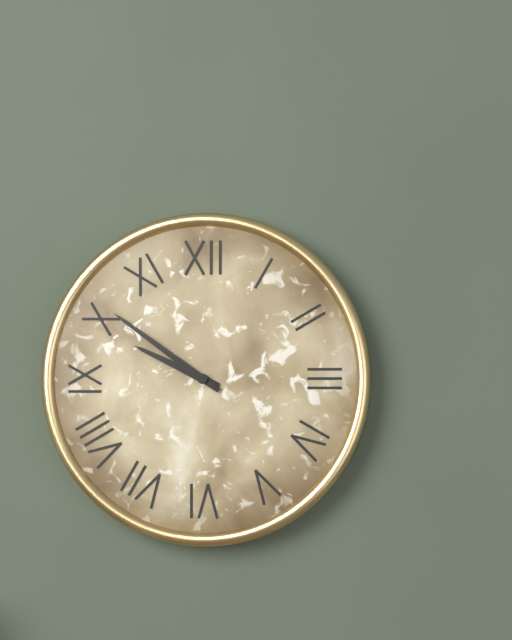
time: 9:51
